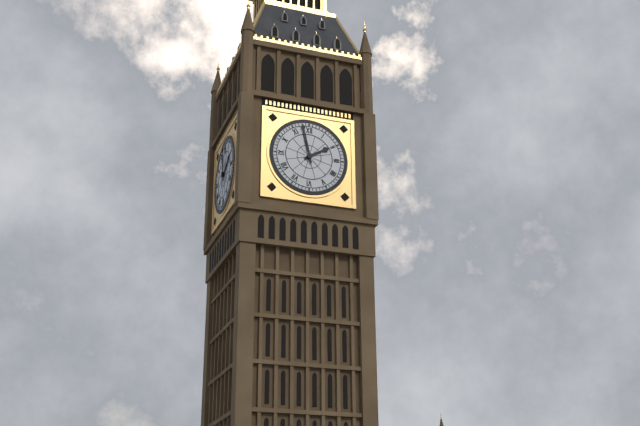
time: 1:58
